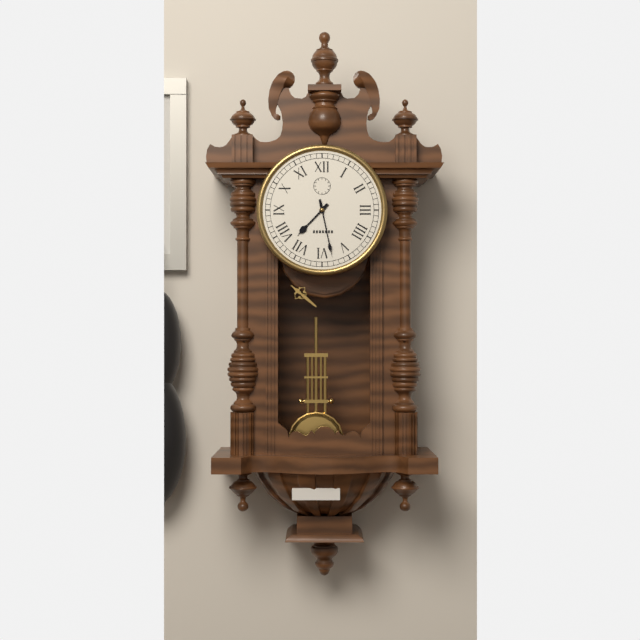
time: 7:28
